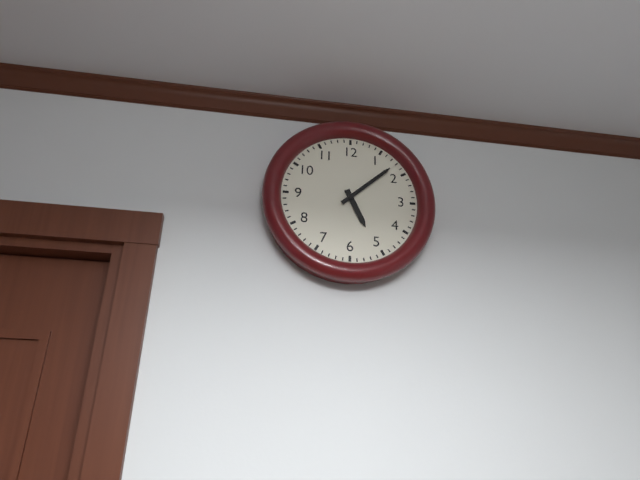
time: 5:08
